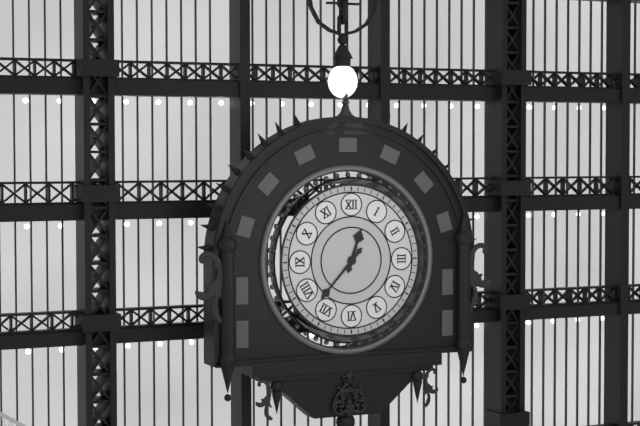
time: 12:37
